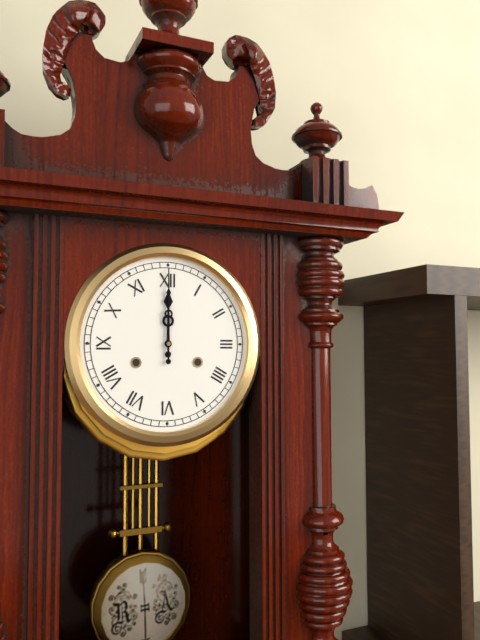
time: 12:00
